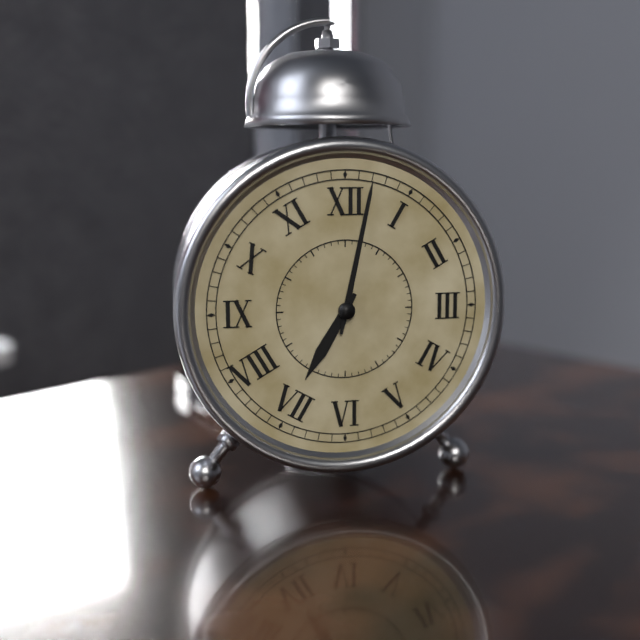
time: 7:02
